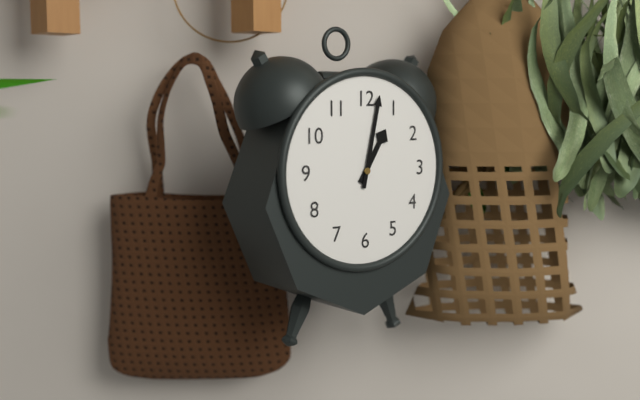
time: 1:02
